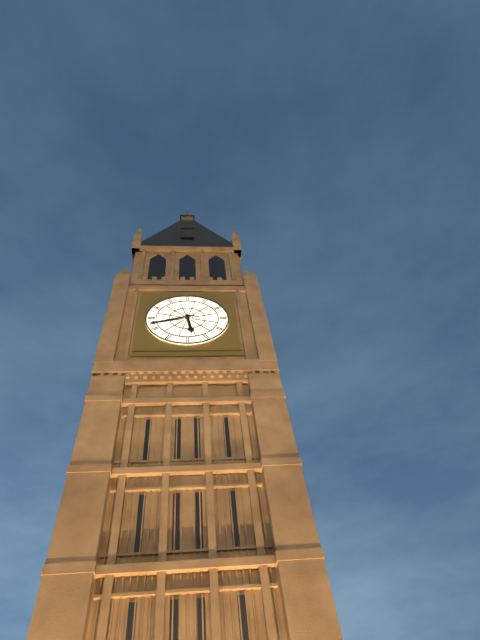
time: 5:42
